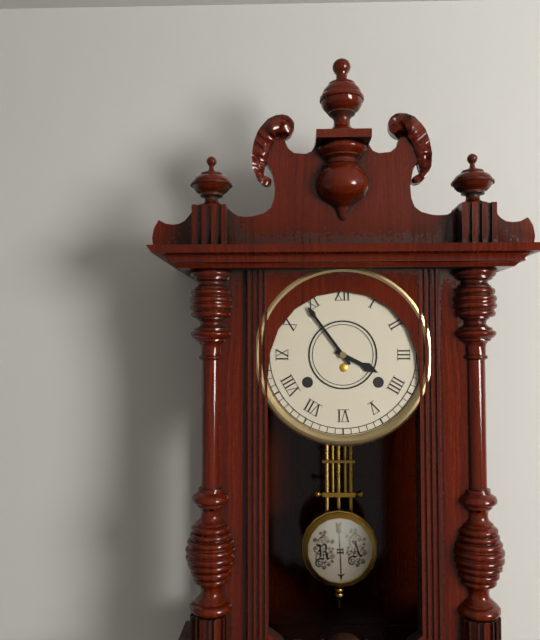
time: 3:54
